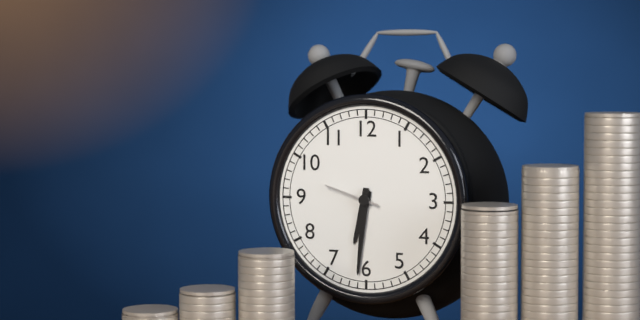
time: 6:31:48
